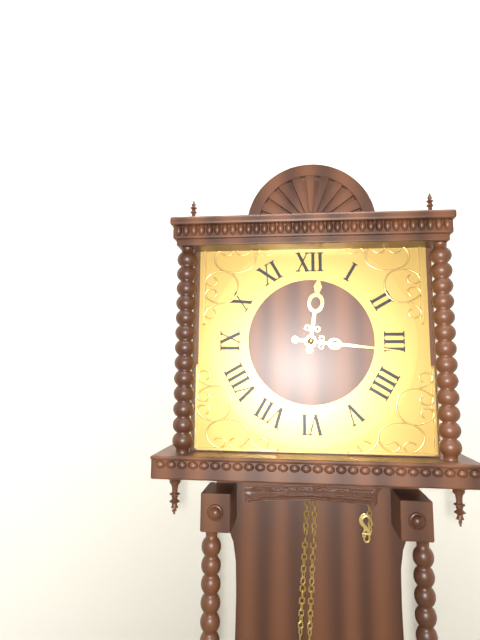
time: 12:16
